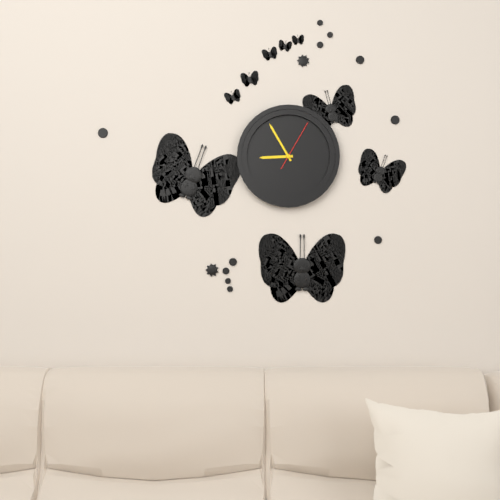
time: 8:55:05
